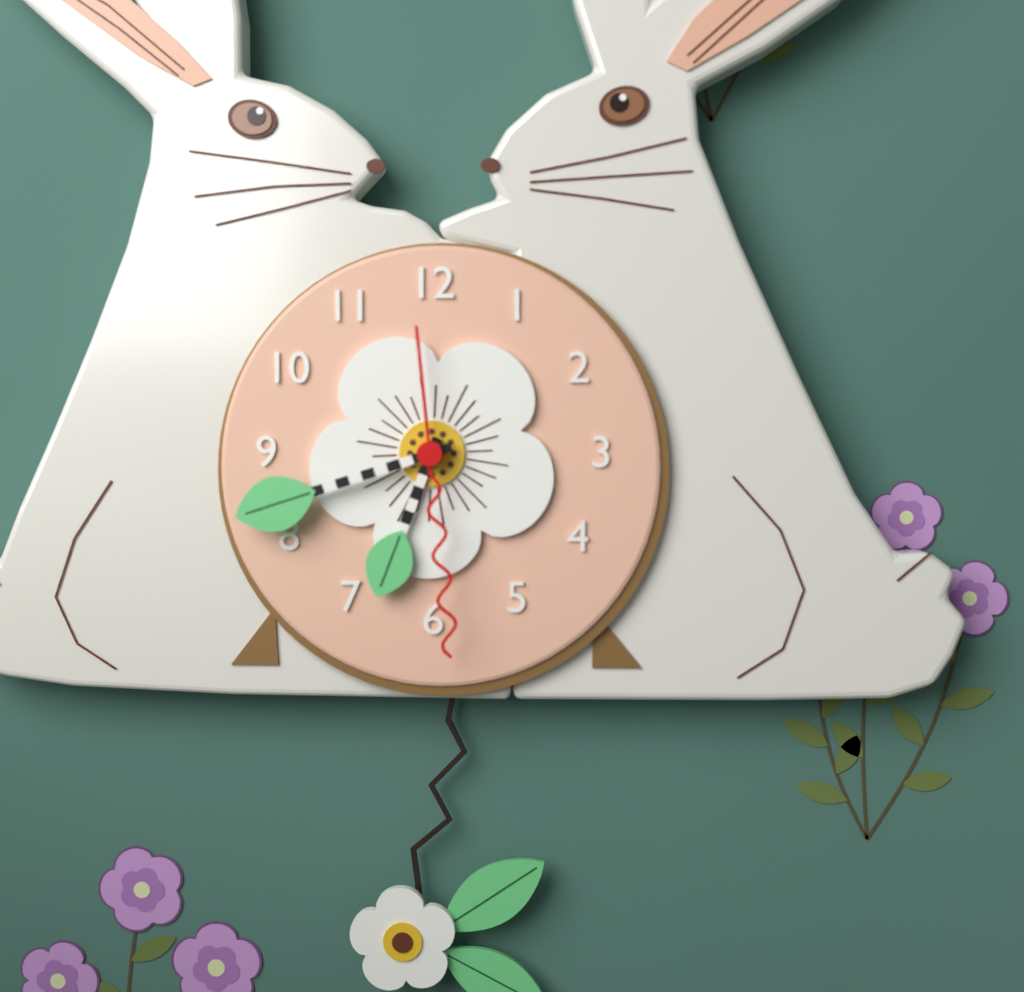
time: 6:42:29
